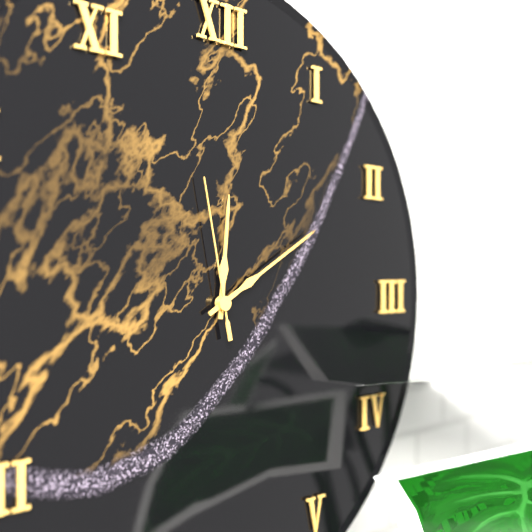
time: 12:10:58
